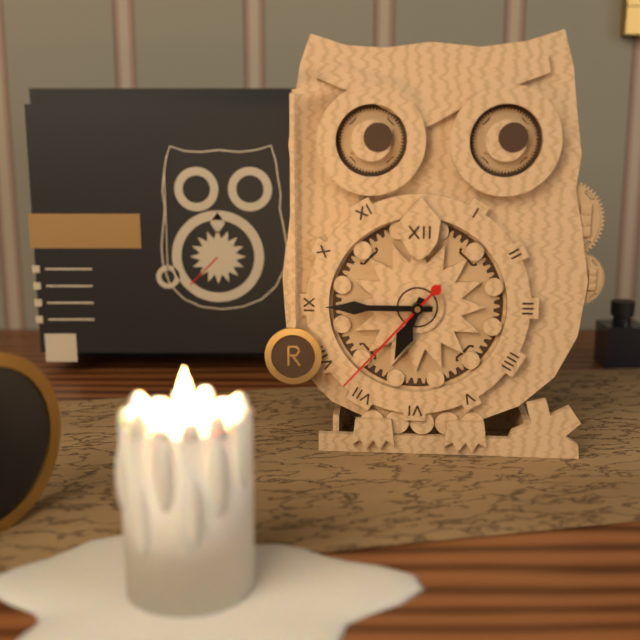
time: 6:45:37
